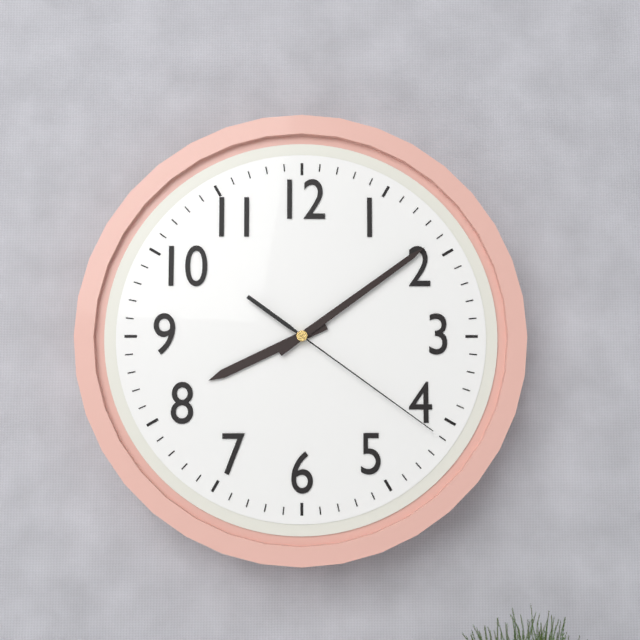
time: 8:09:21
